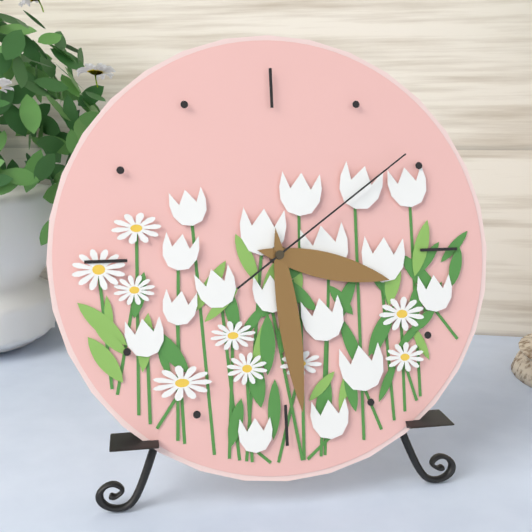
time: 3:29:09
